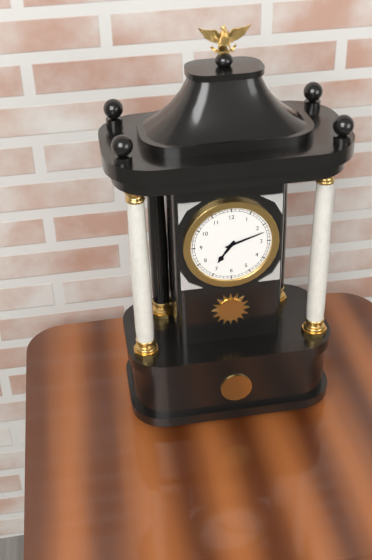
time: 7:12
